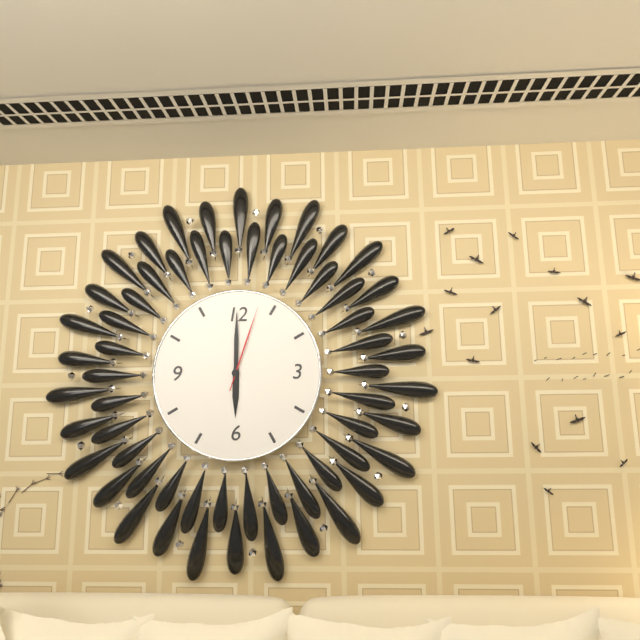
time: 6:00:03
